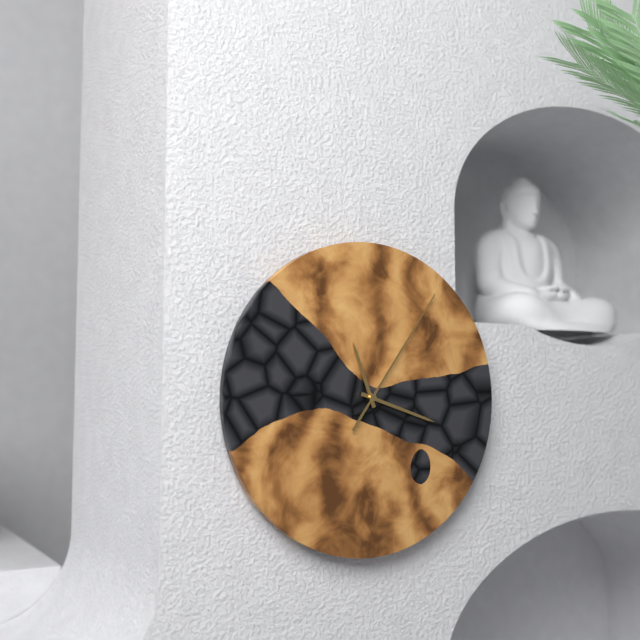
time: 11:18:06
